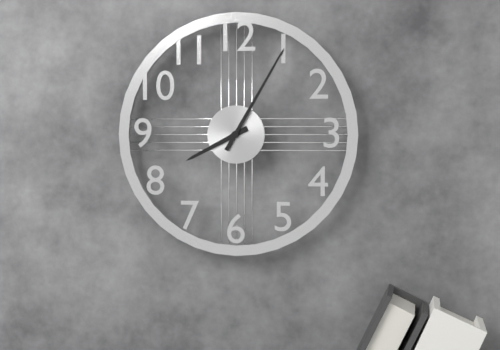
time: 8:05
